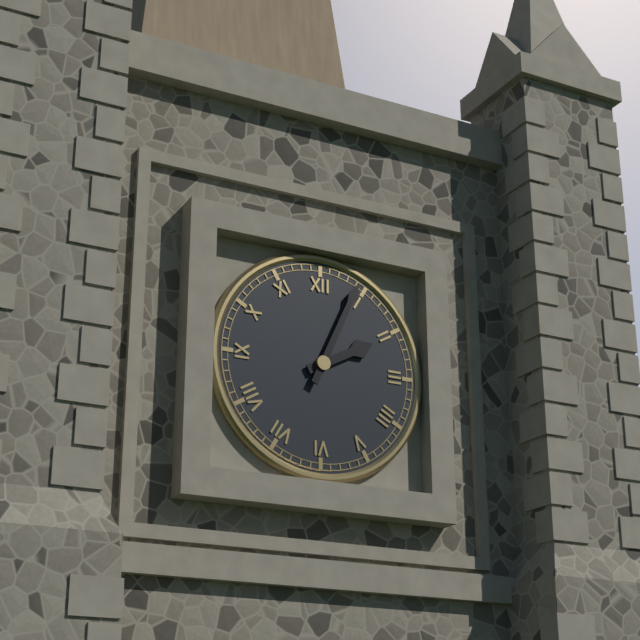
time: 2:04
